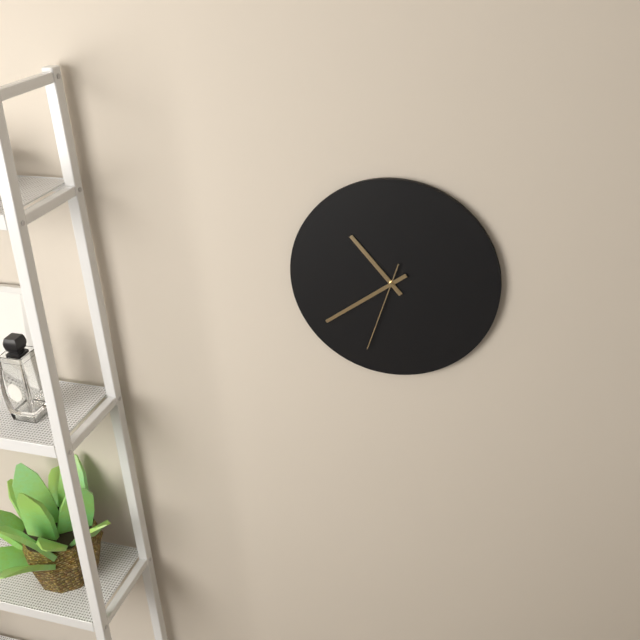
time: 10:39:33
